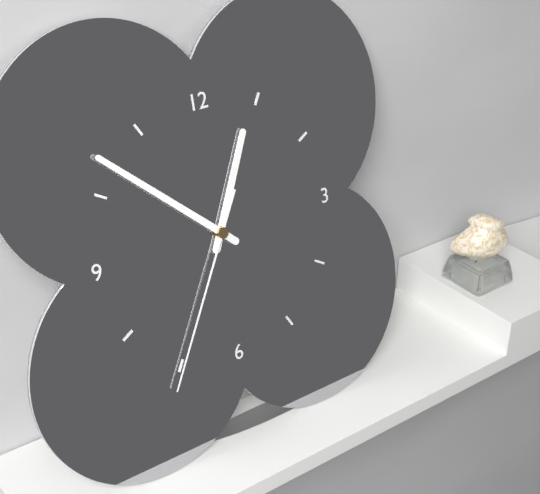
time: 12:52:35
